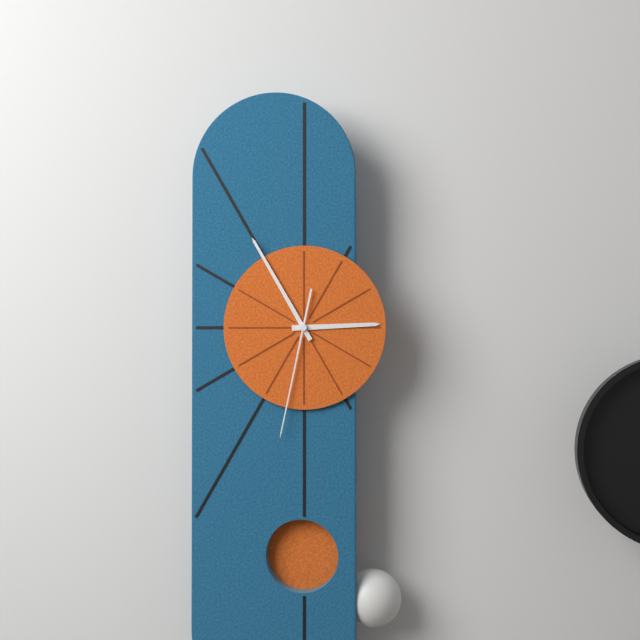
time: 2:55:32
